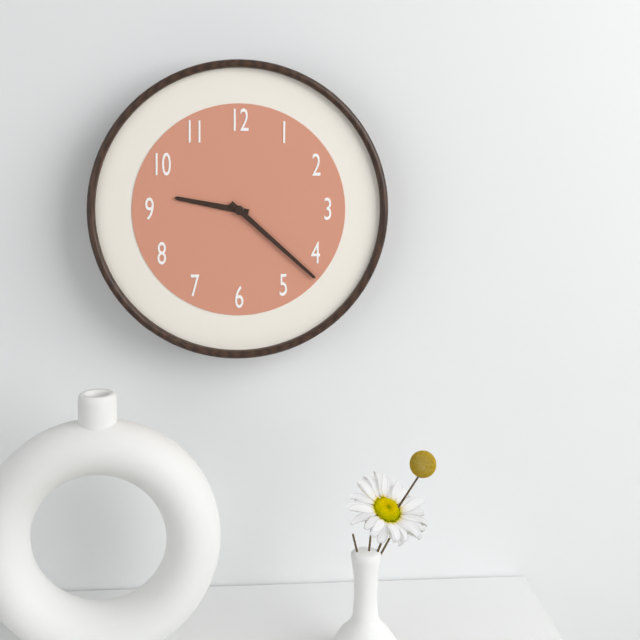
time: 9:22
